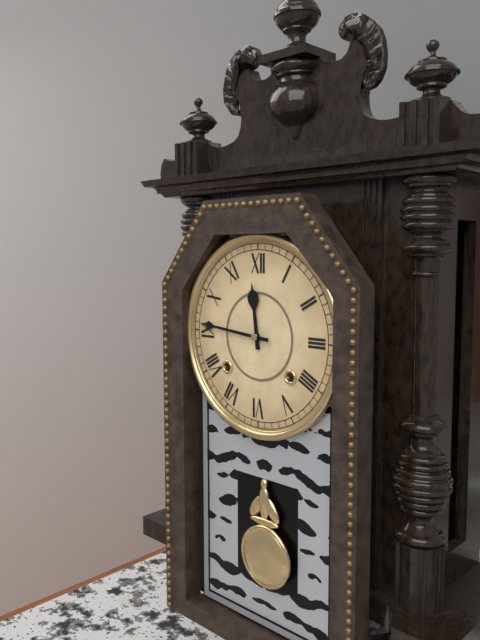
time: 11:46
